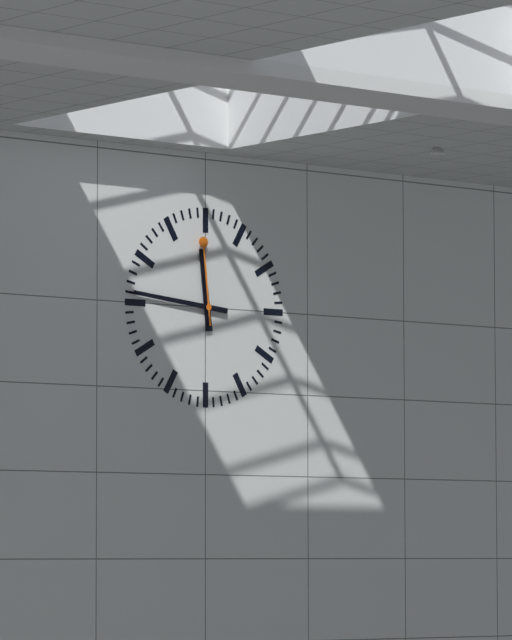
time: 11:46:59
